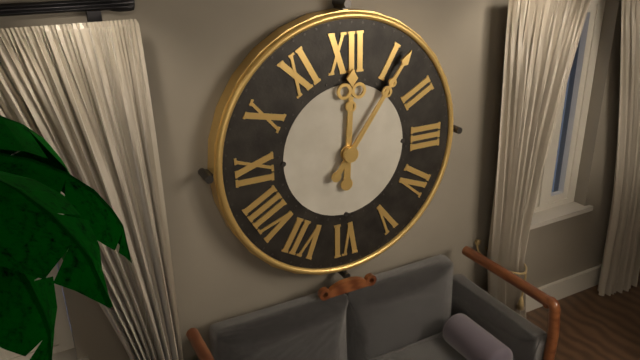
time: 12:06
